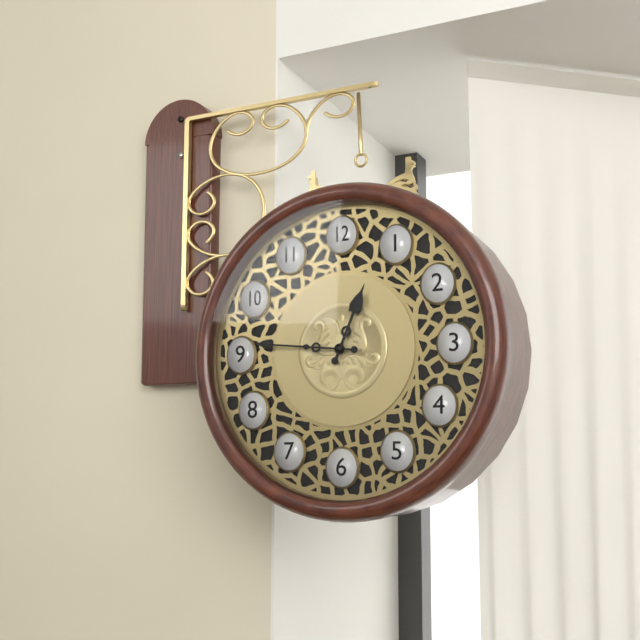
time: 12:46
